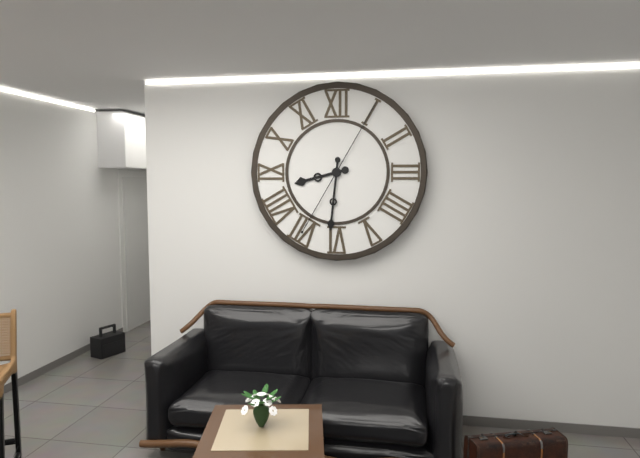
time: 8:31:05
